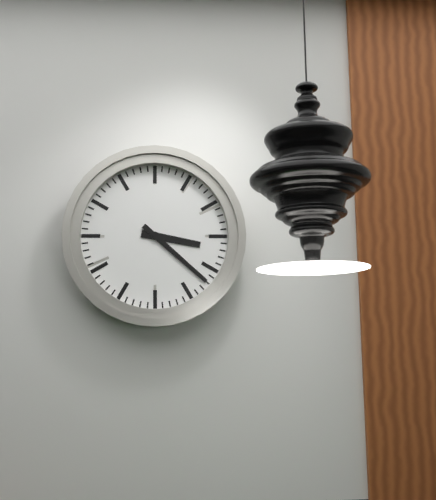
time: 3:22
